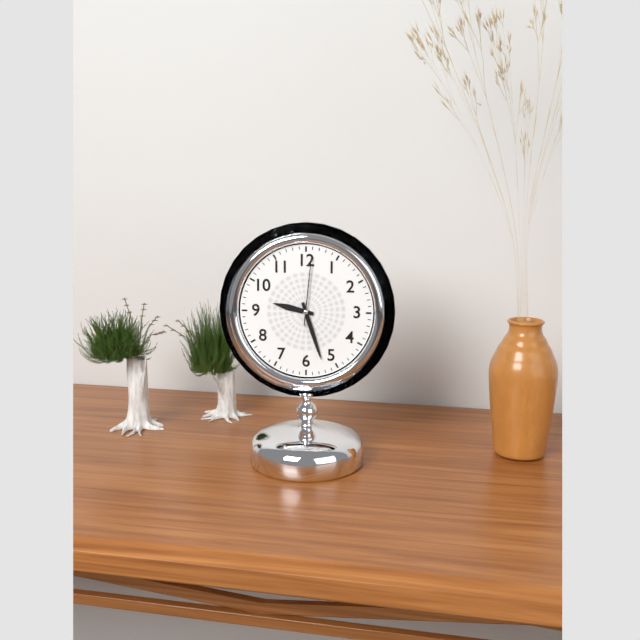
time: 9:27:01
